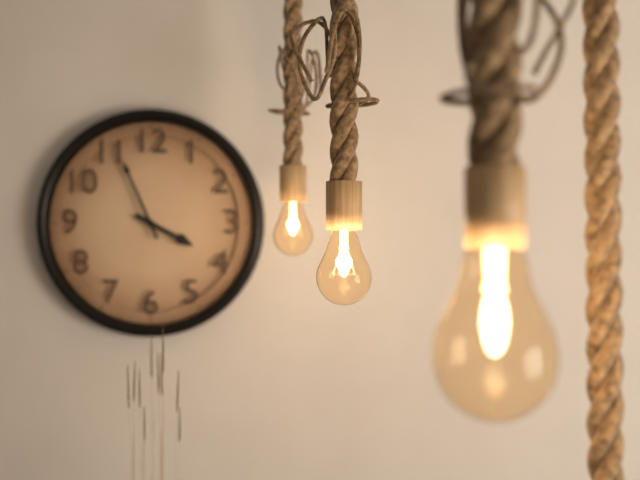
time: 3:56
